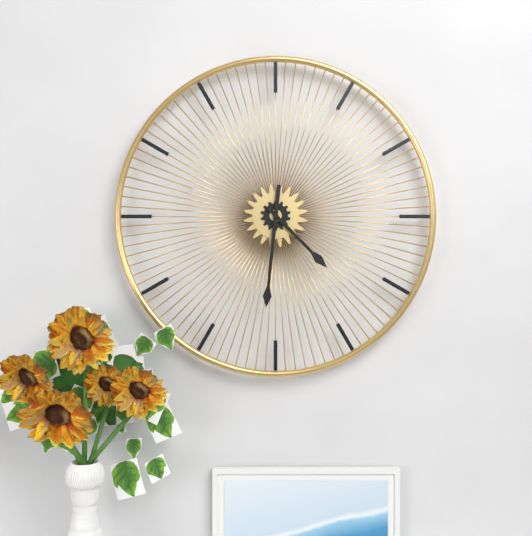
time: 4:31
